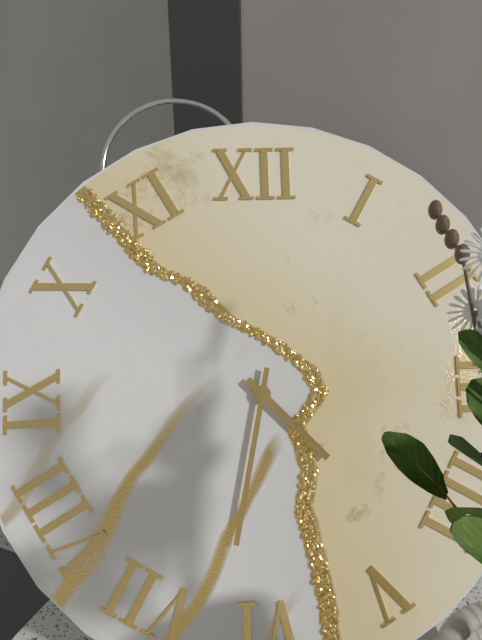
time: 4:32
